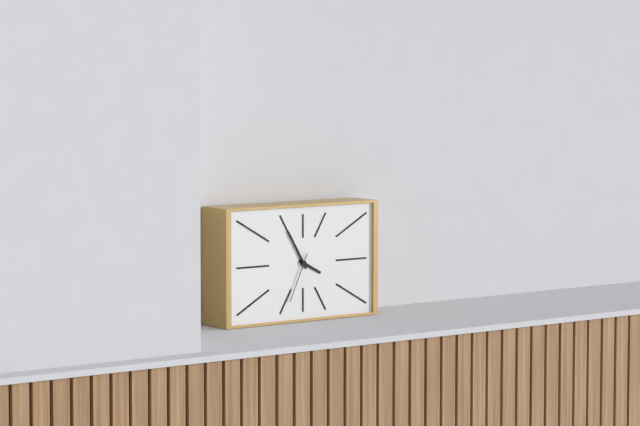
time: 3:55:34
